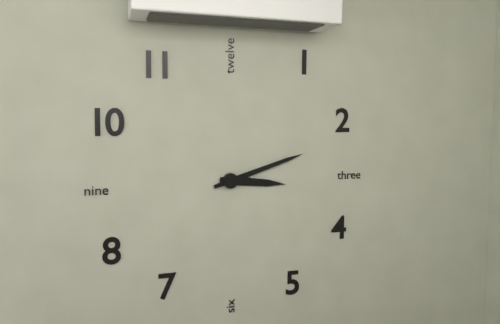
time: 3:12
